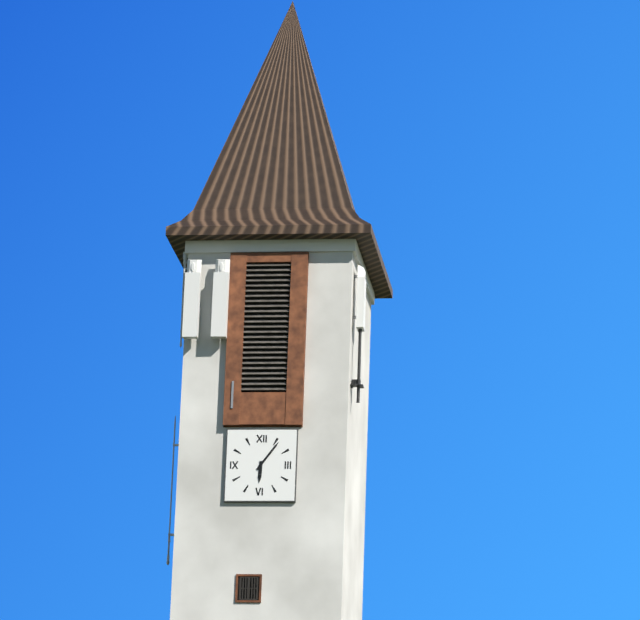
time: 6:06
